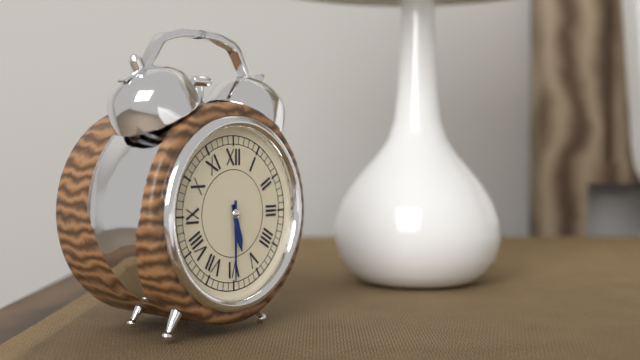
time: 5:30
